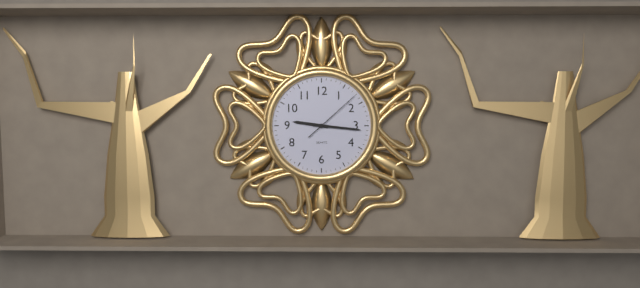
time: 9:16:08
